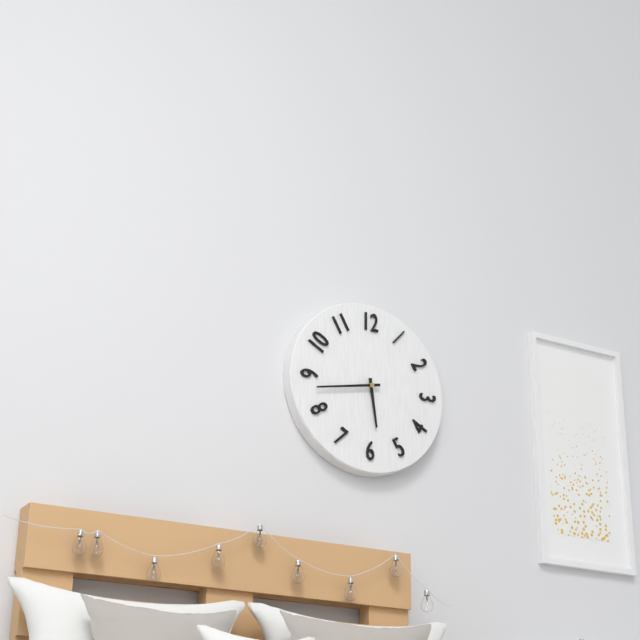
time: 5:43
